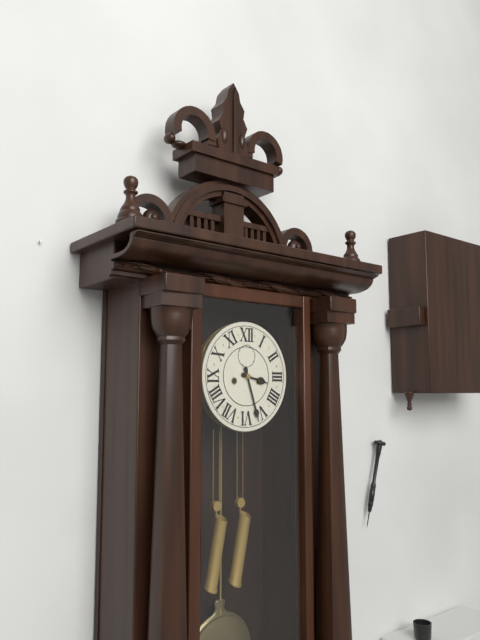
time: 3:27
